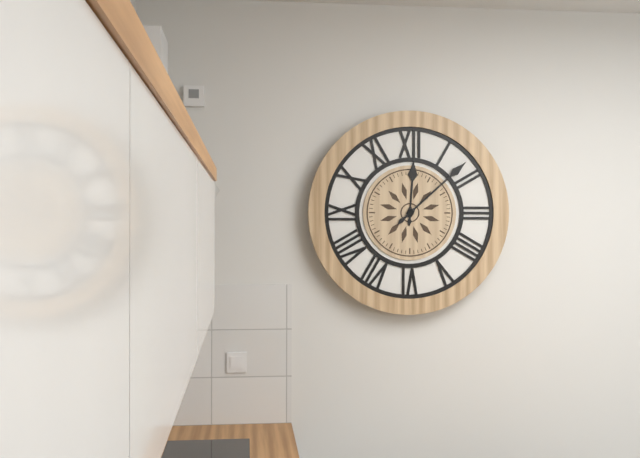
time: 12:08
